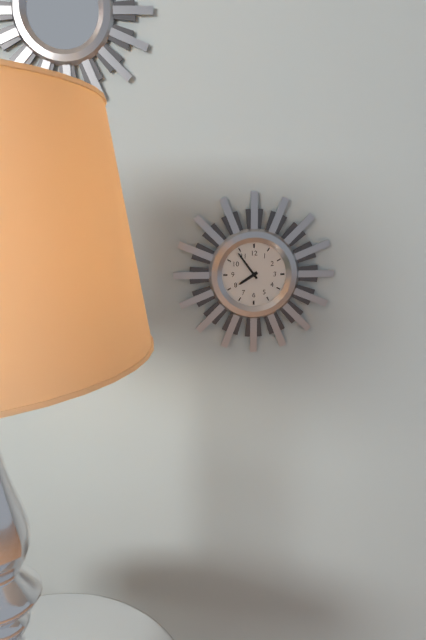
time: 7:54
